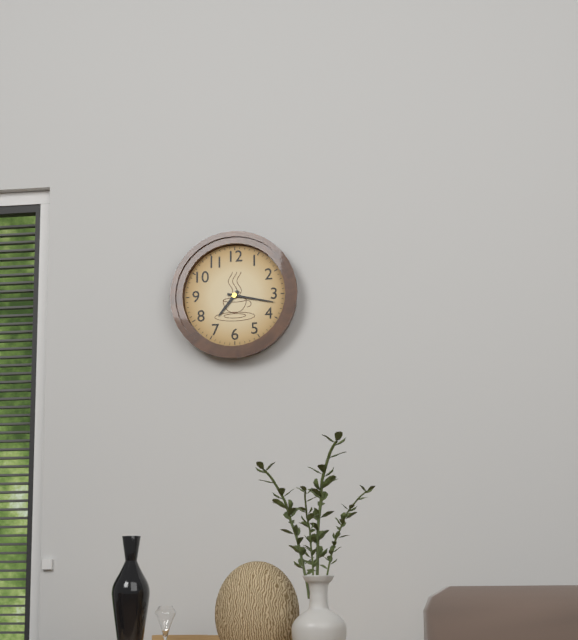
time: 7:17
